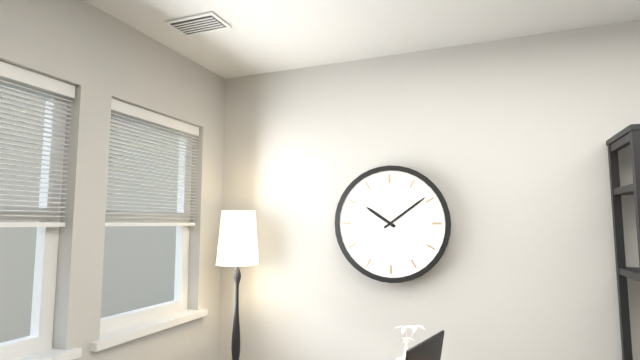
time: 10:09
